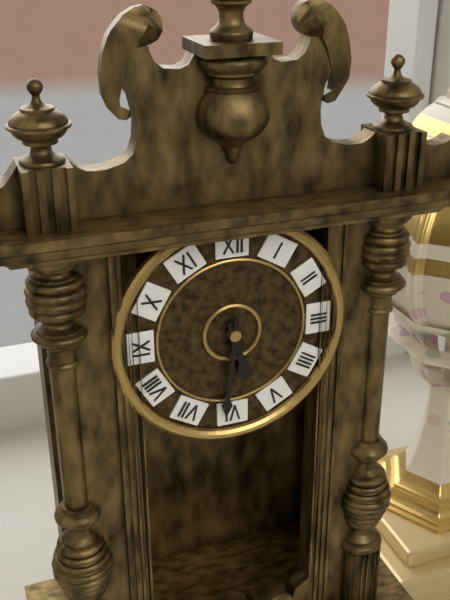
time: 5:31
